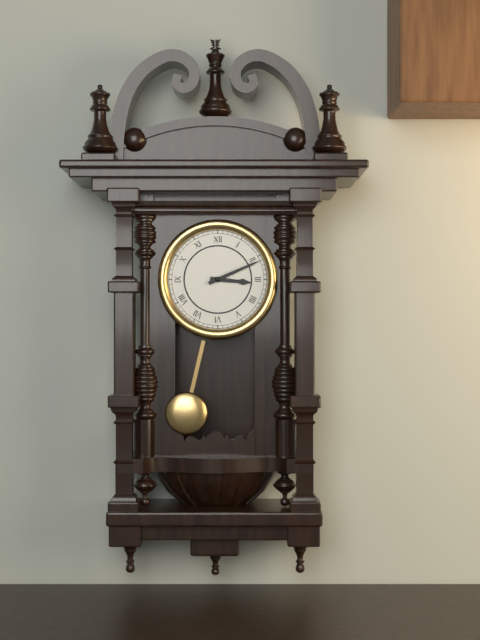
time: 3:11
